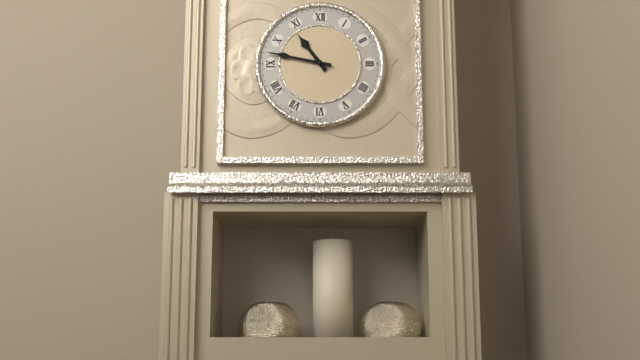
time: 10:47
